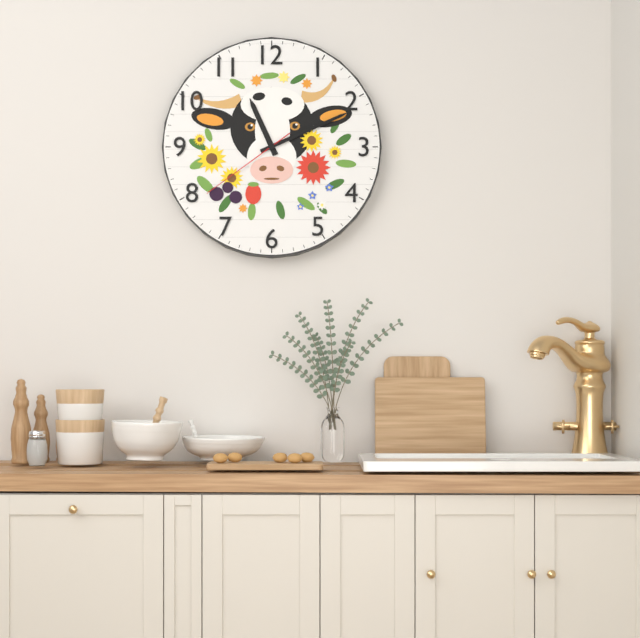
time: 11:11:39
